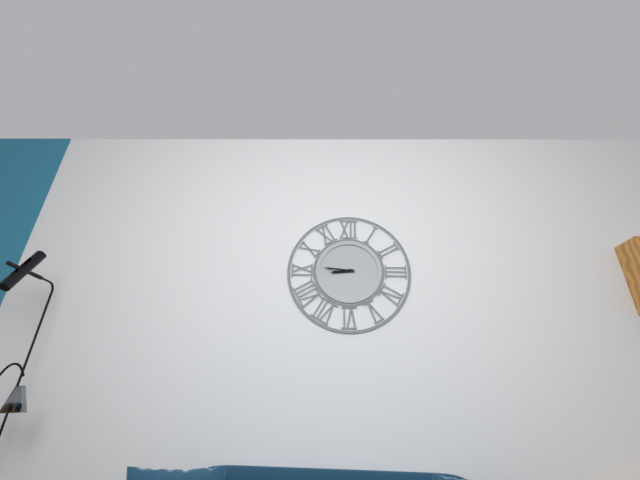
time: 8:46
